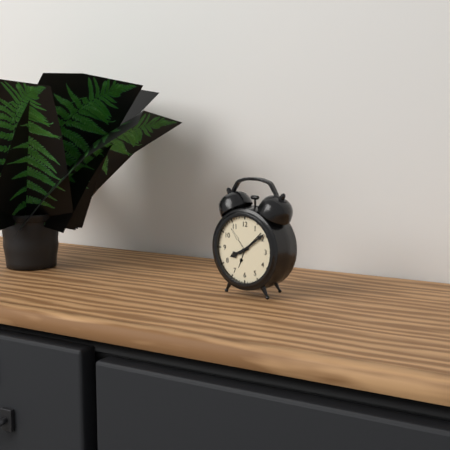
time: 8:09
